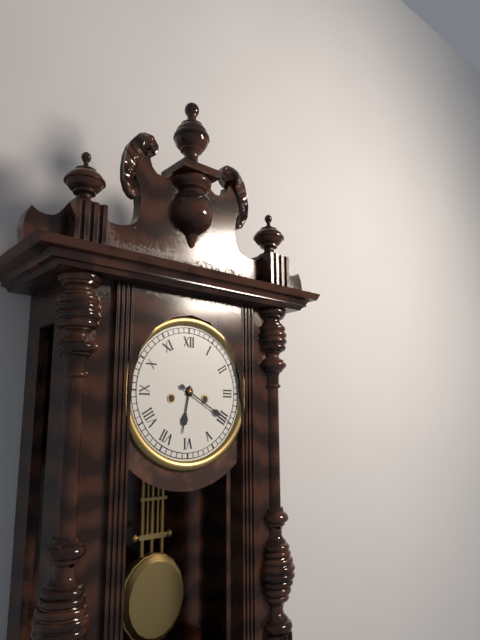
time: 6:20
